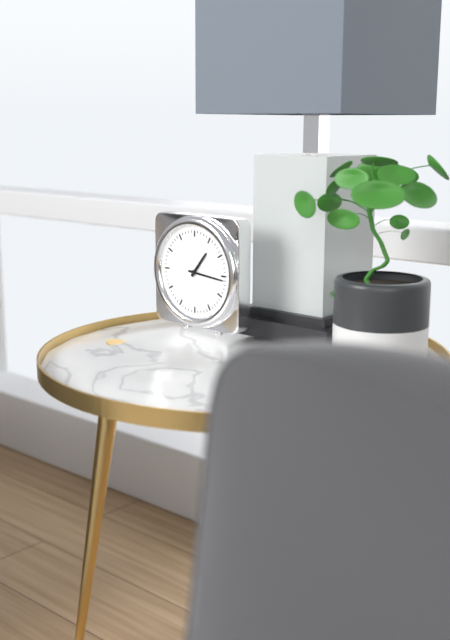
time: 1:16
